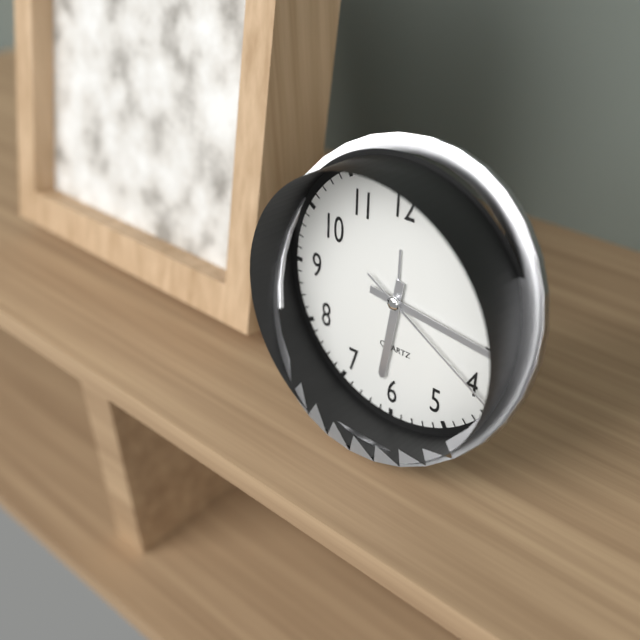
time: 6:16:20
